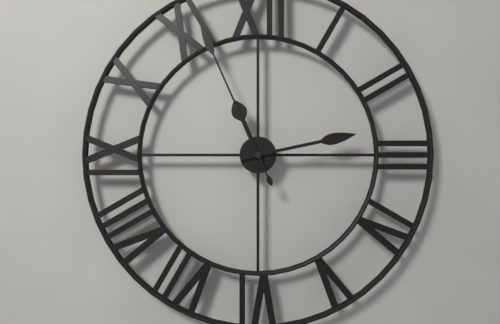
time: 11:13:56
